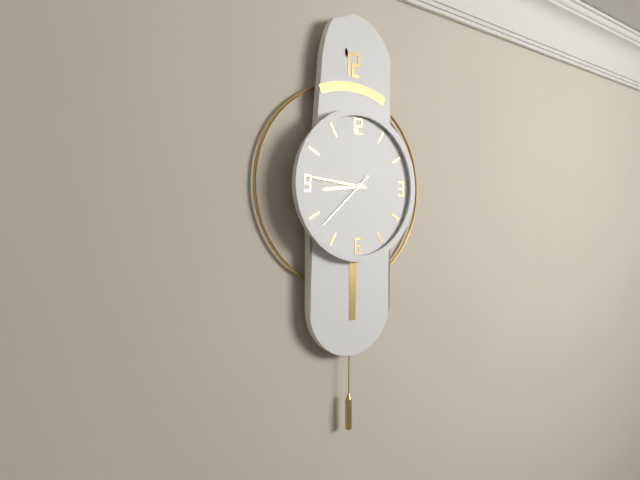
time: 8:46:38
